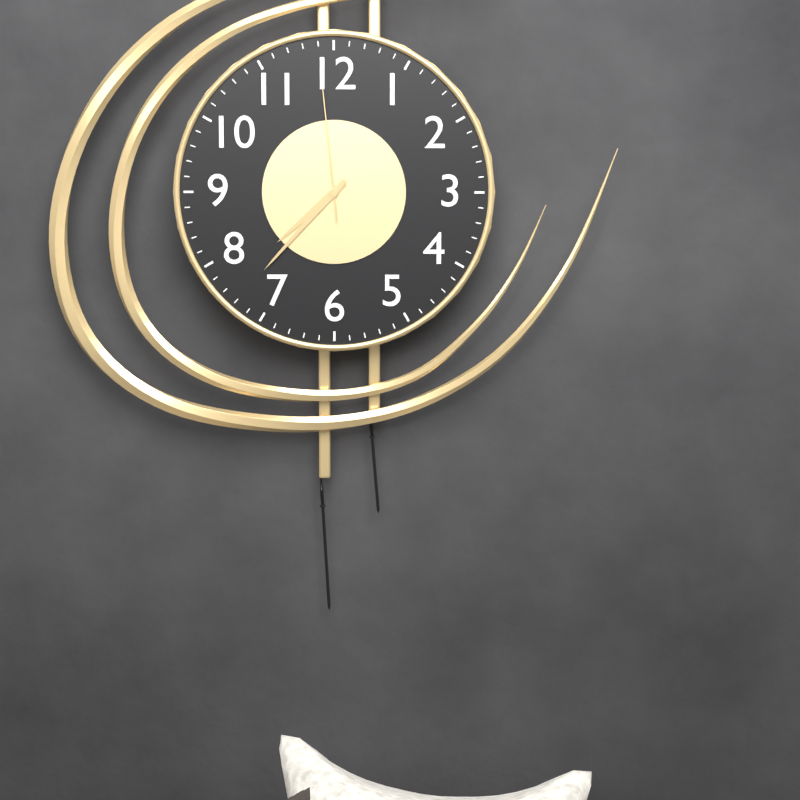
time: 7:37:59
